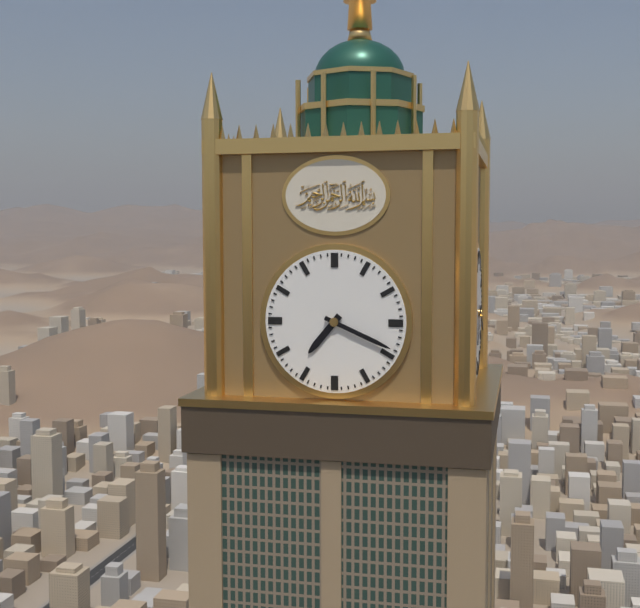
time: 7:19
